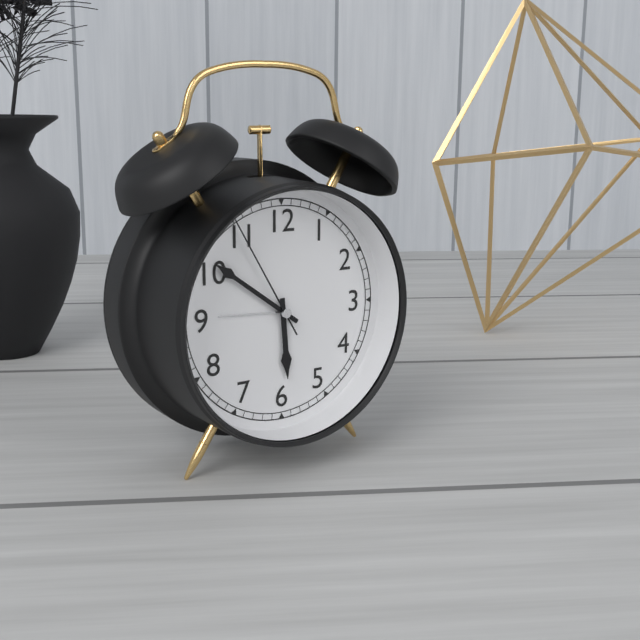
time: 5:51:55
